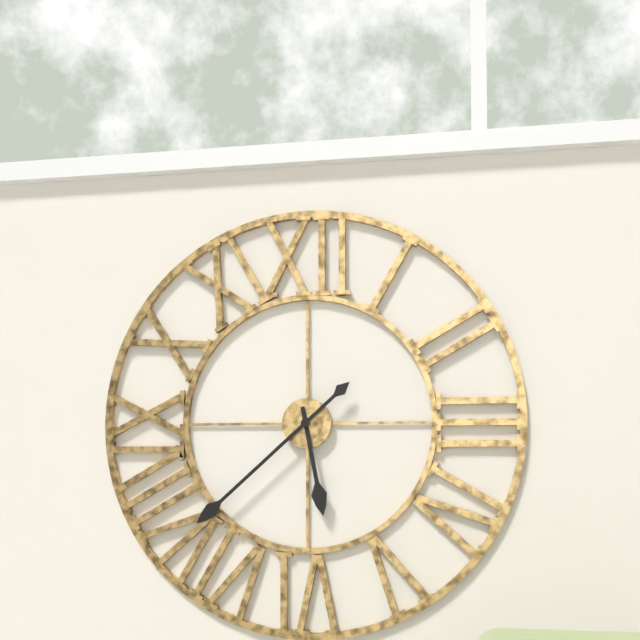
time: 5:38
